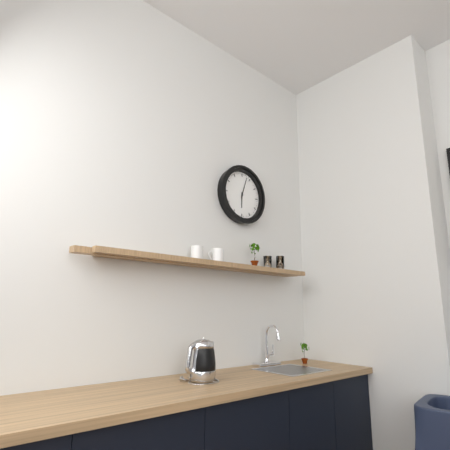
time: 6:03
